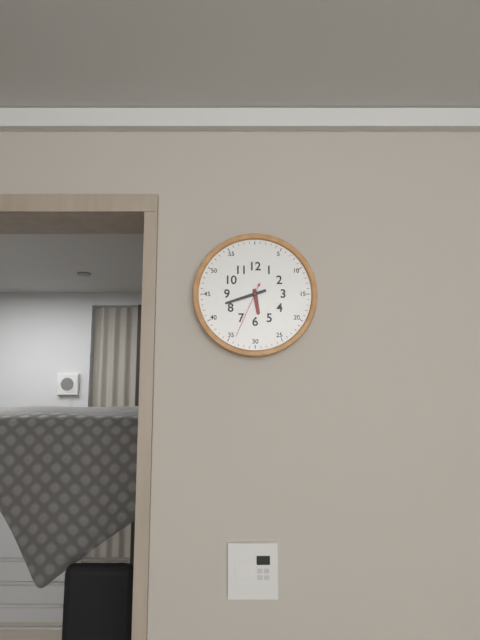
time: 5:42:34
